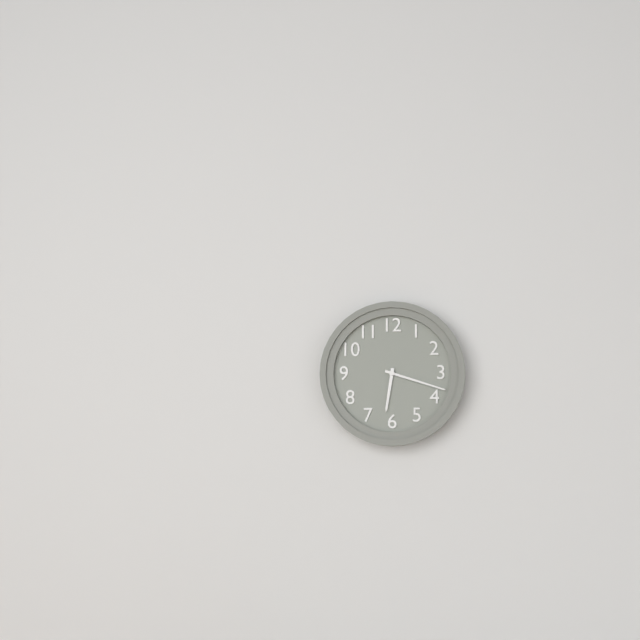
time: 6:18
